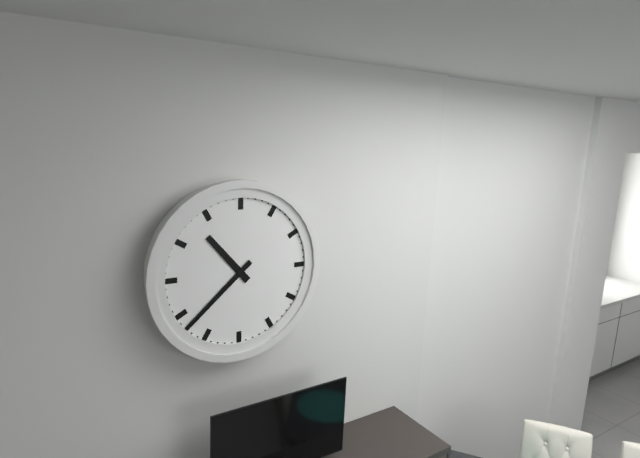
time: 10:38
